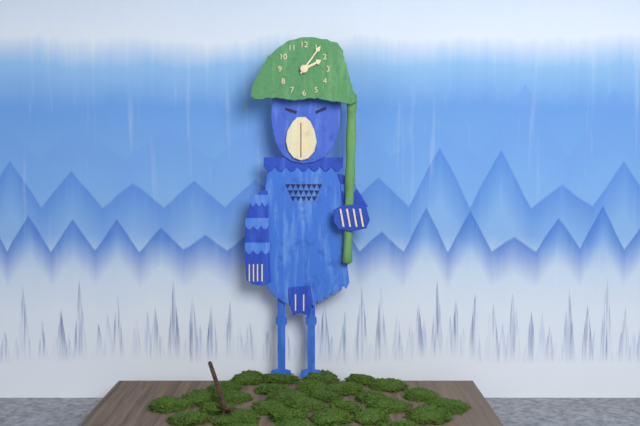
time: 2:06
